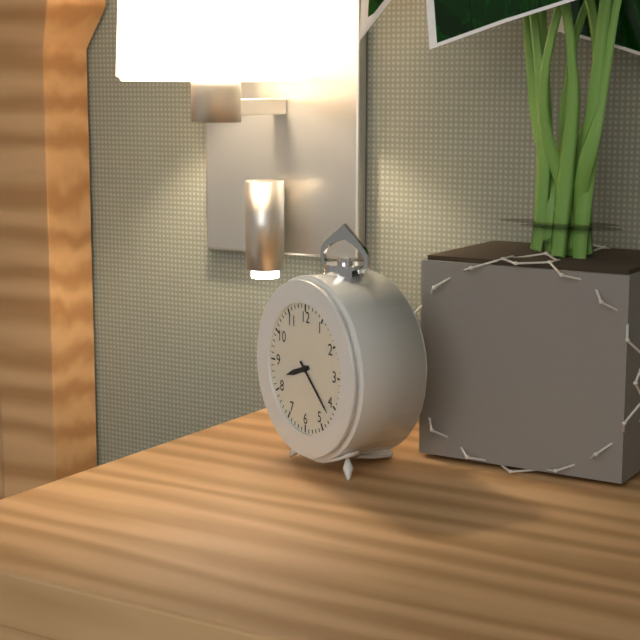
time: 8:22
